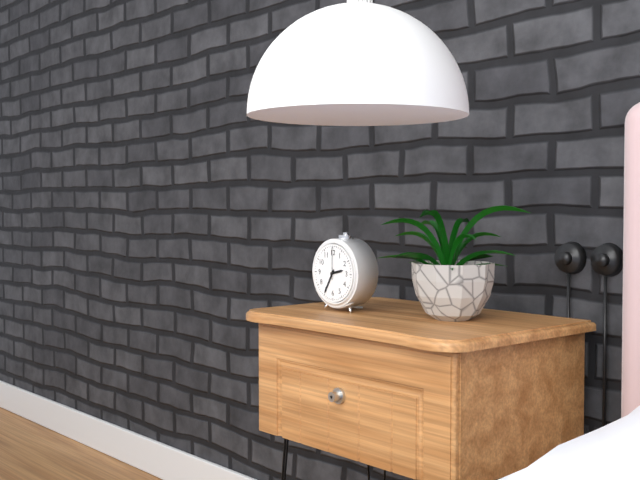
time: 2:35
